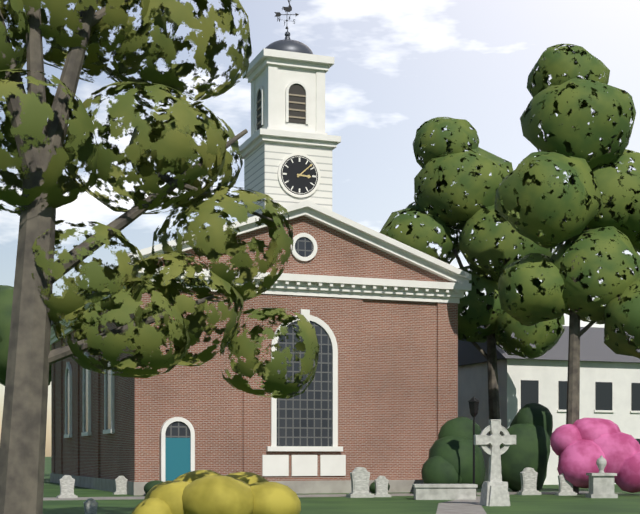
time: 3:08
